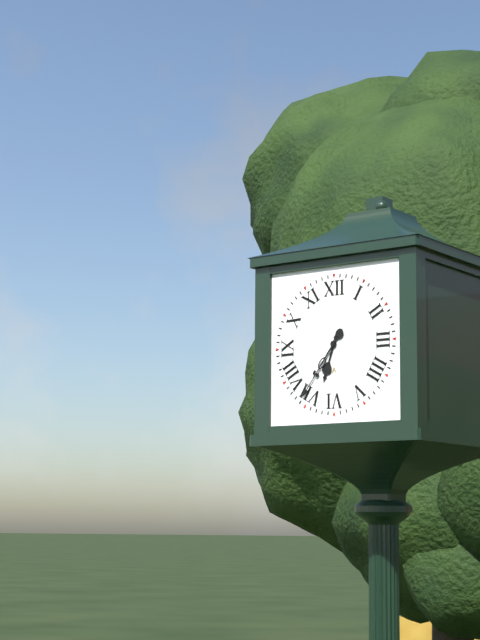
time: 6:36
